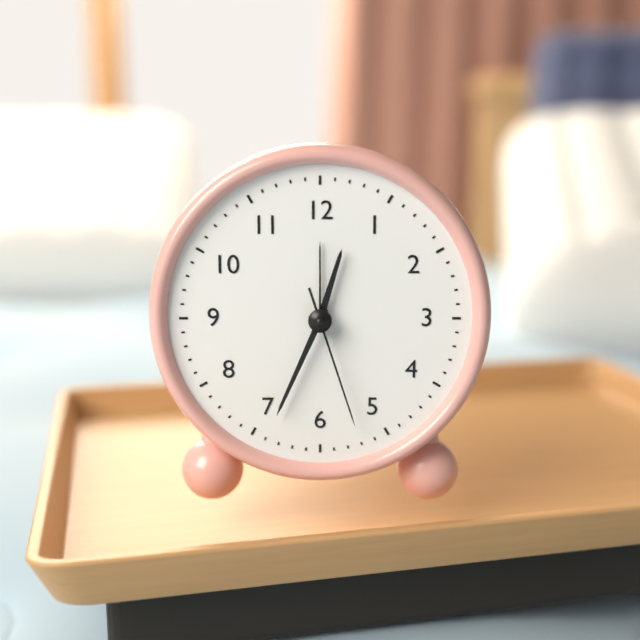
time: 12:34:27
